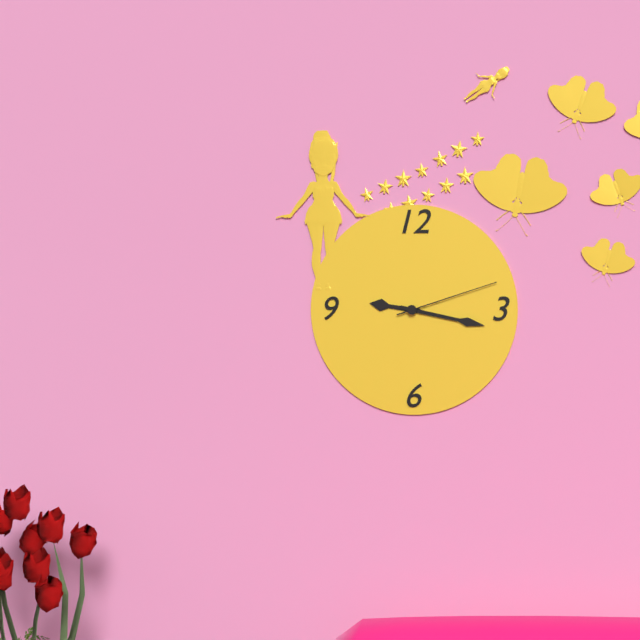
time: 9:17:12
